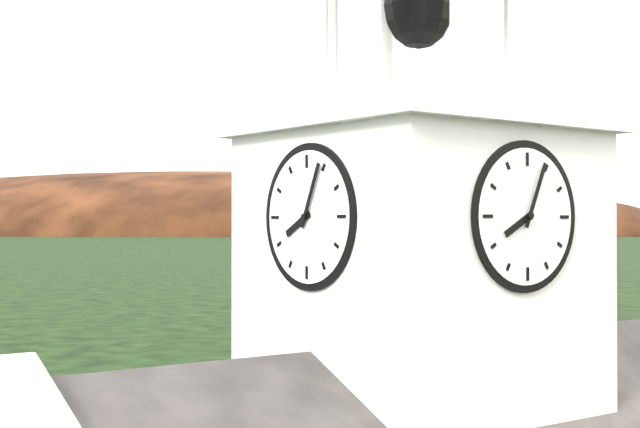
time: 8:04
